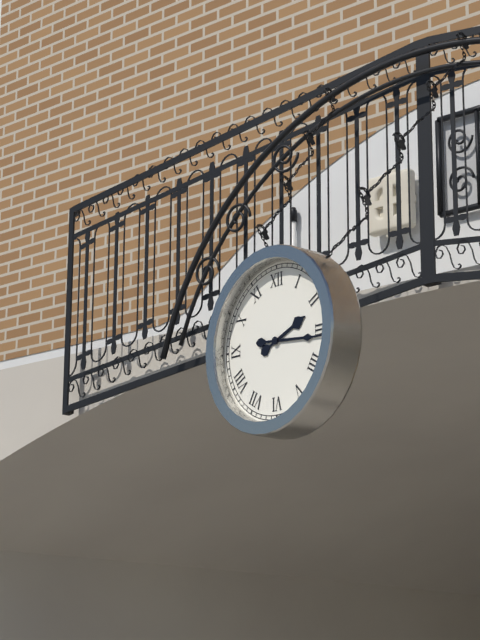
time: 2:16
